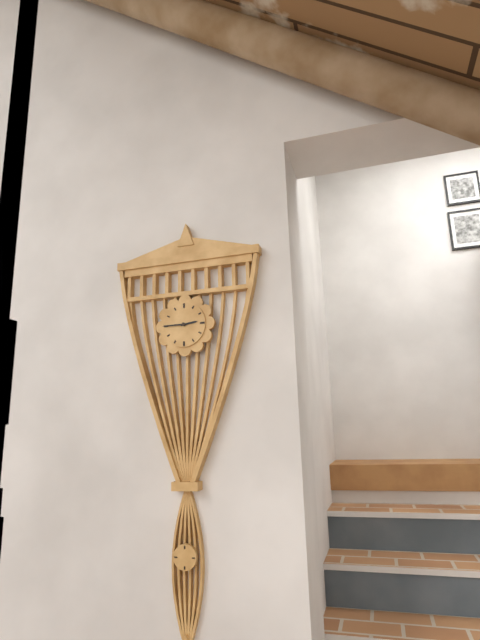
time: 2:45
